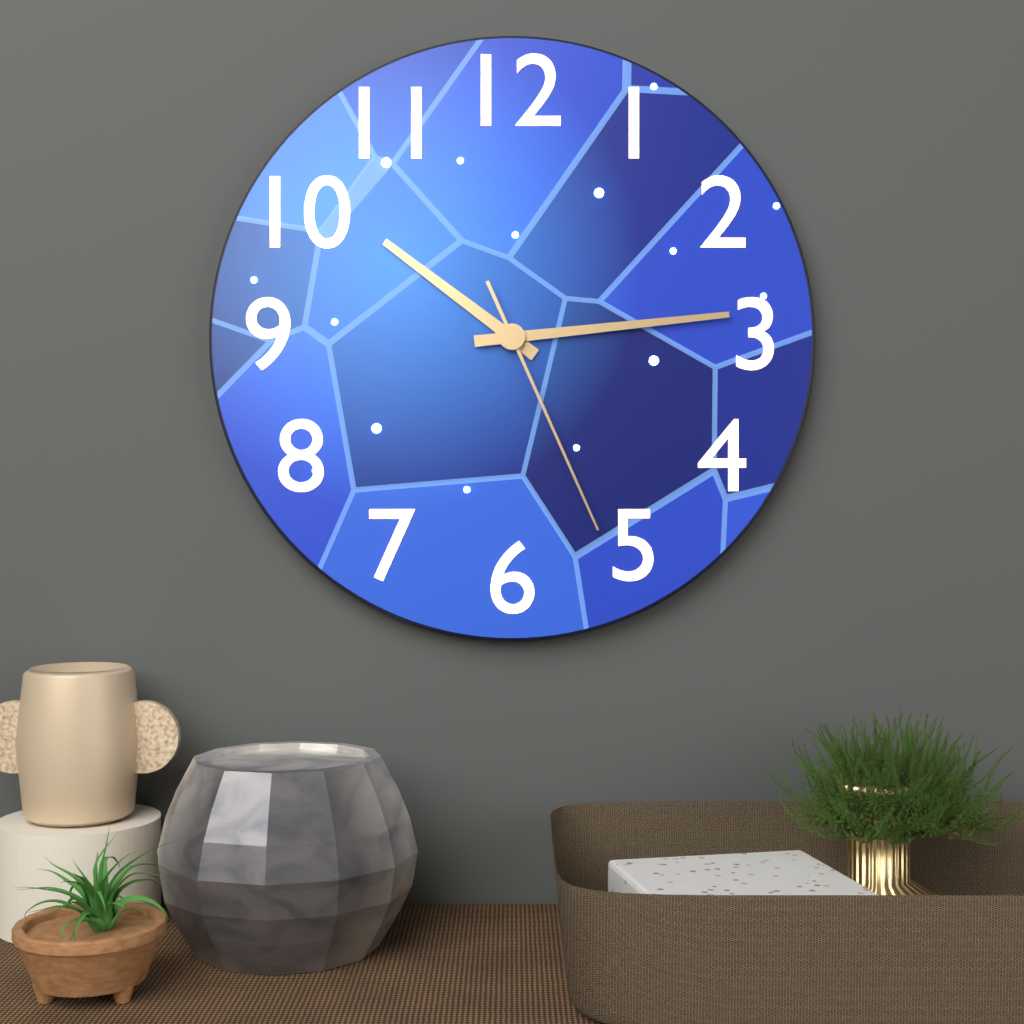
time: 10:14:26
